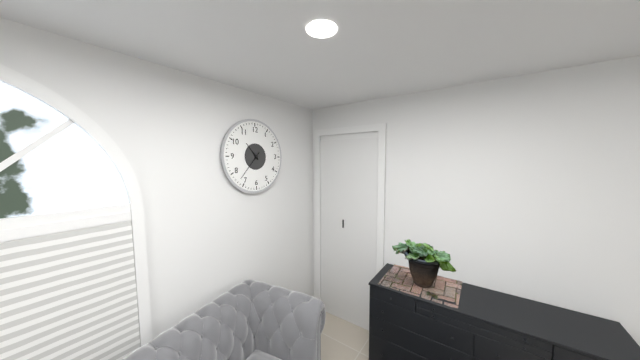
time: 10:37
